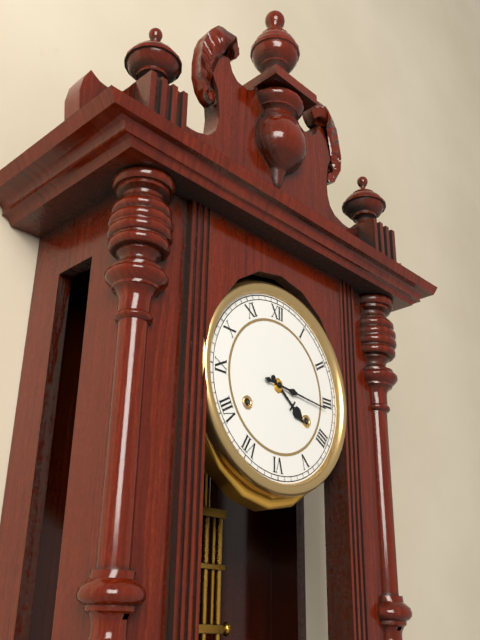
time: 4:16
